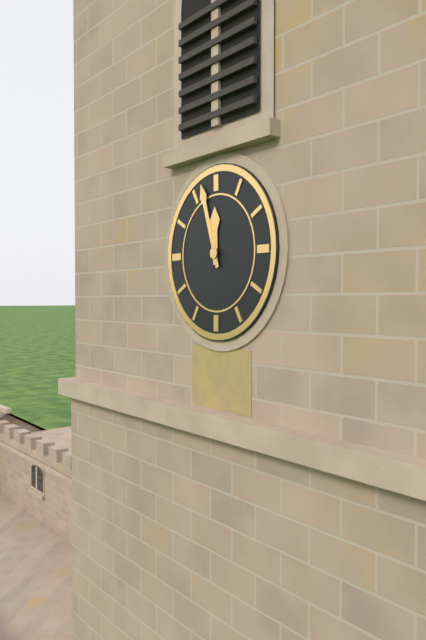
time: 11:57
